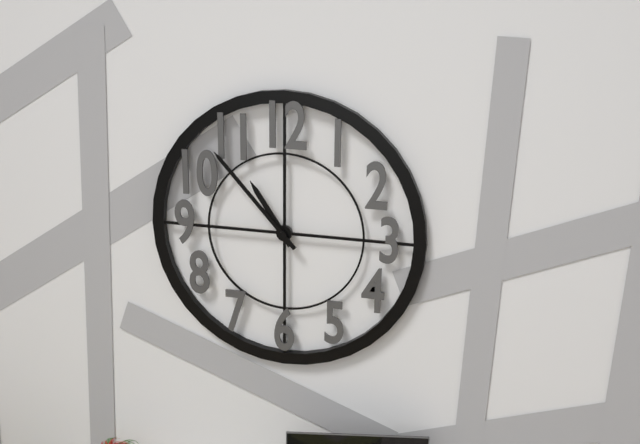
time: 10:53
